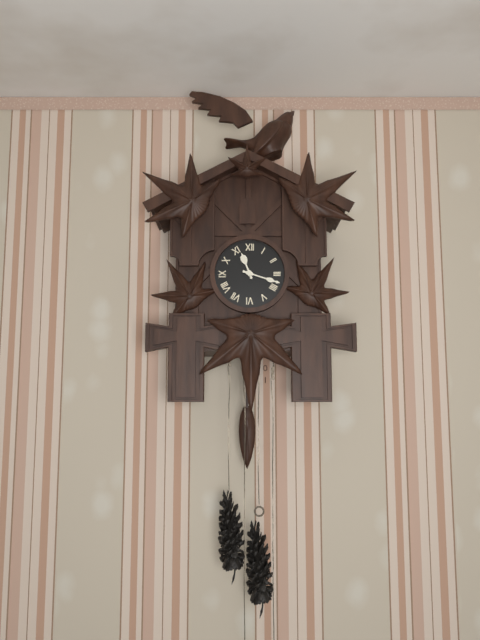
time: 11:18
